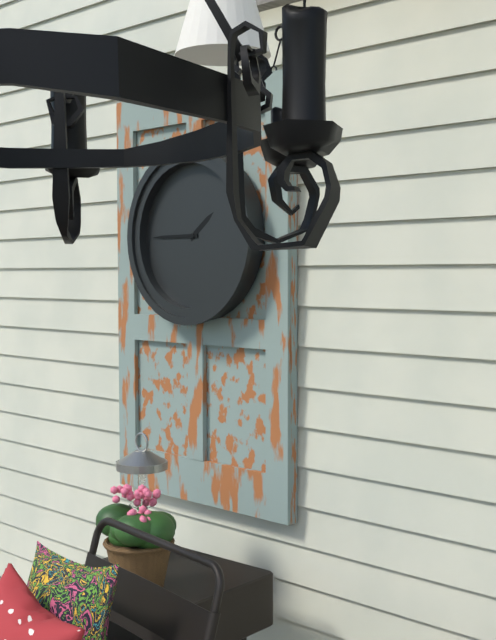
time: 1:45
